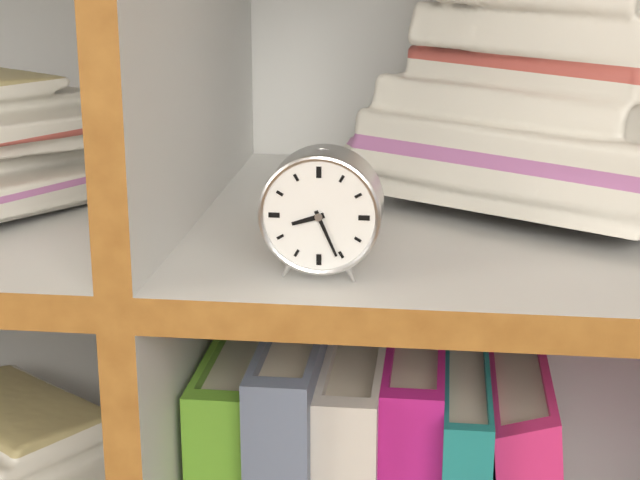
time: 8:26
